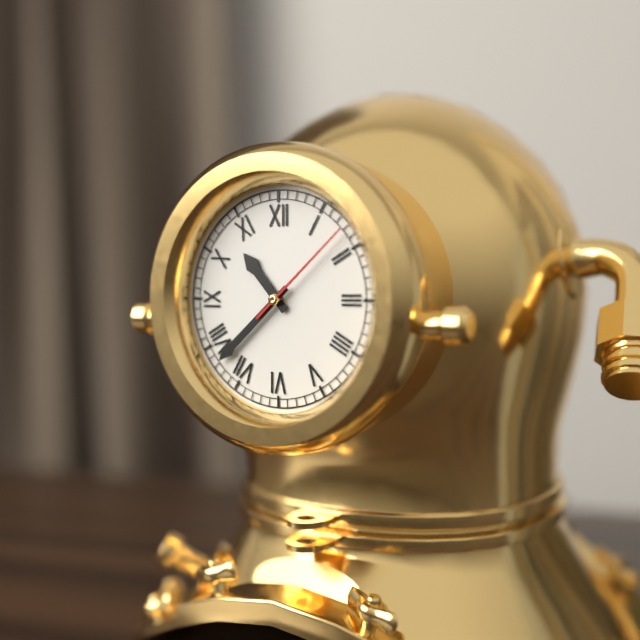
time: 10:38:08
